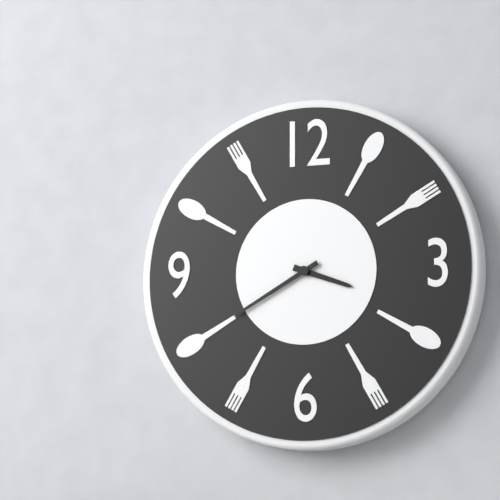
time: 3:40
